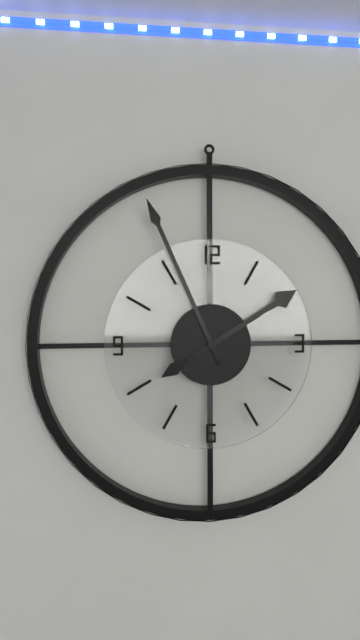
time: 1:56
